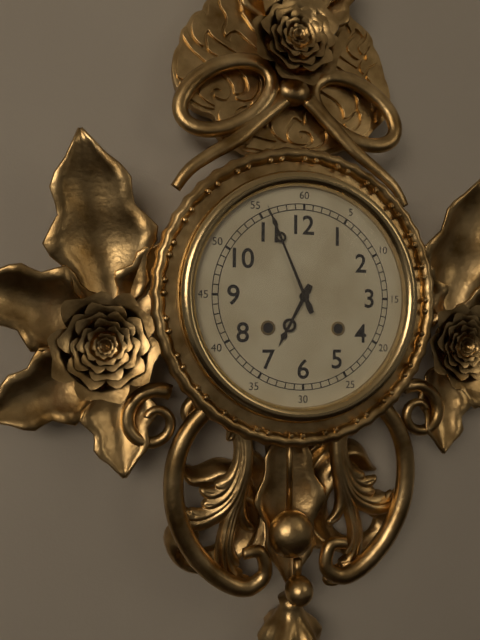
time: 6:56
